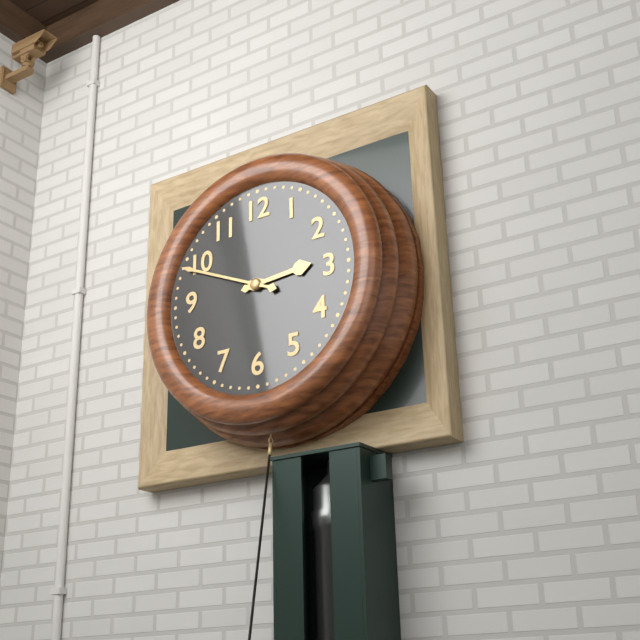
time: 2:49
